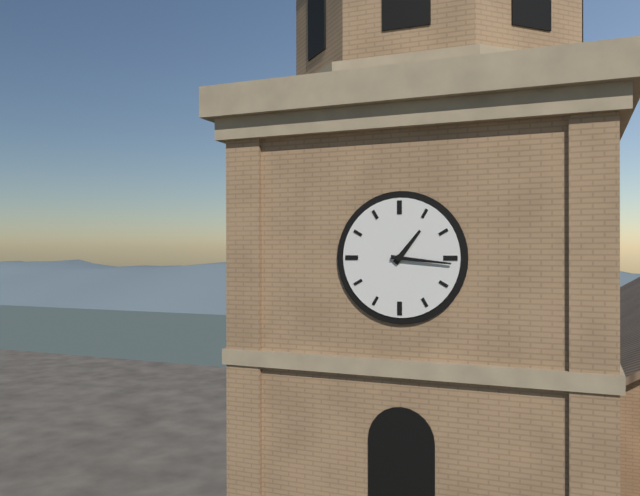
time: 1:16
